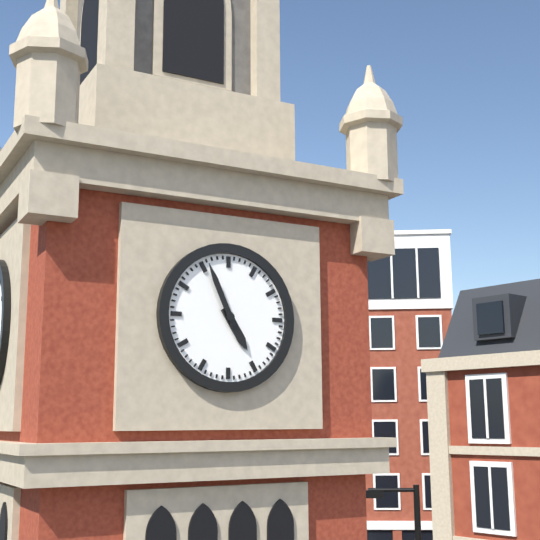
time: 4:56
